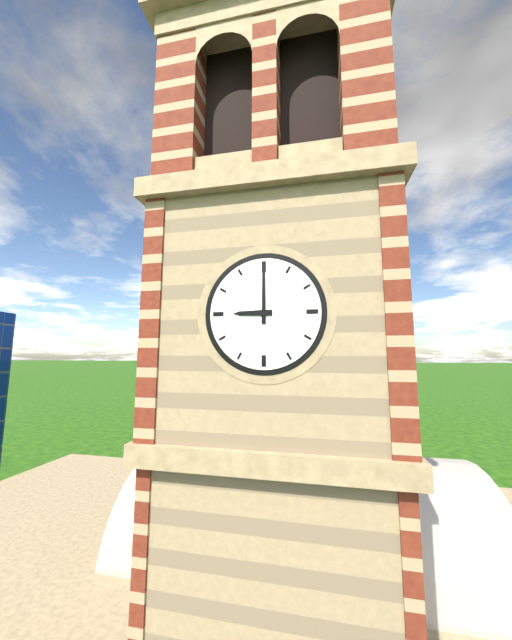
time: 9:00
